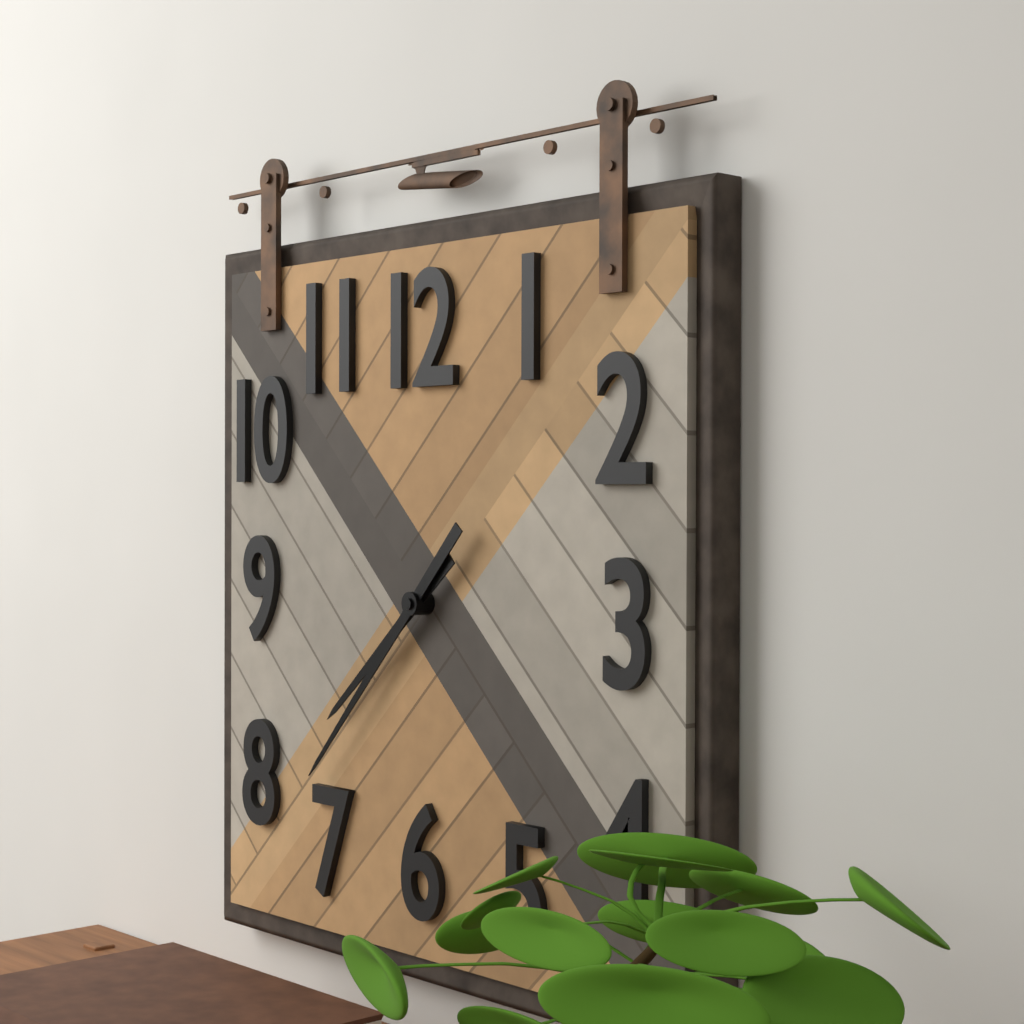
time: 7:37
